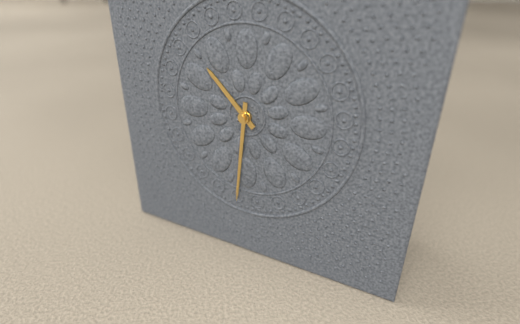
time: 10:31
